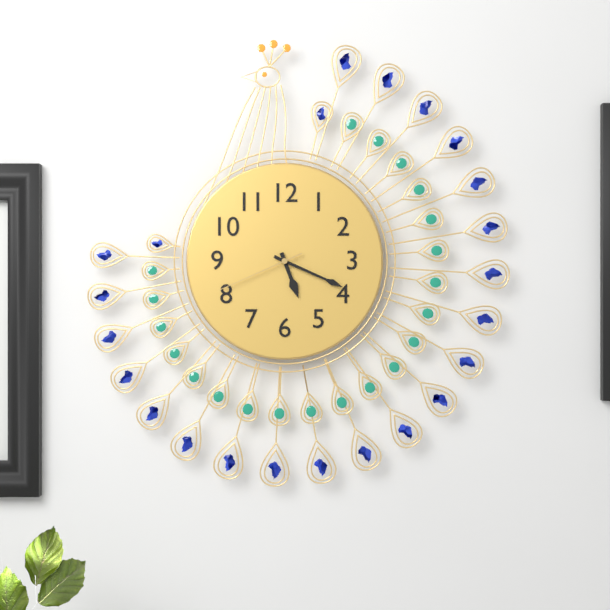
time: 5:19:41
